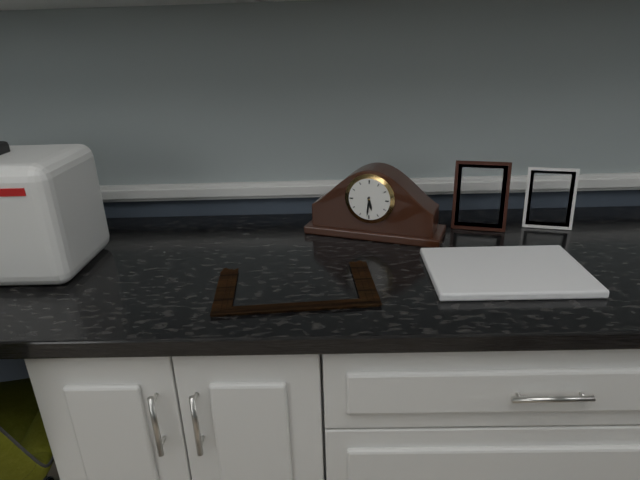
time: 5:31
